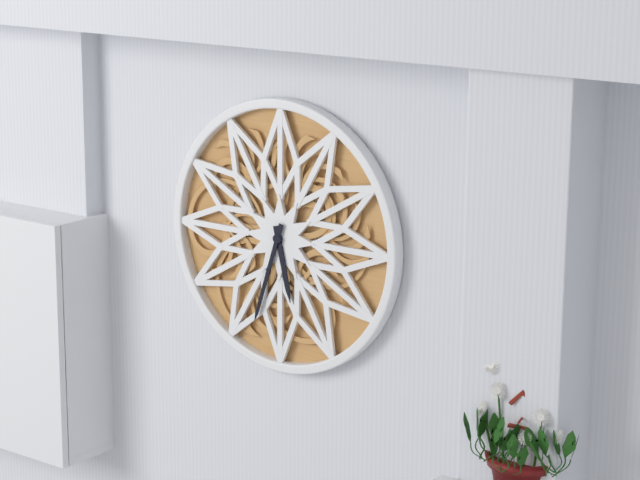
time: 5:33
